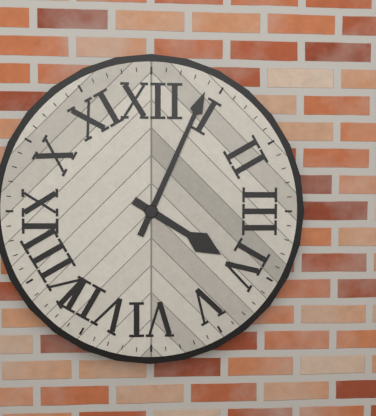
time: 4:04
